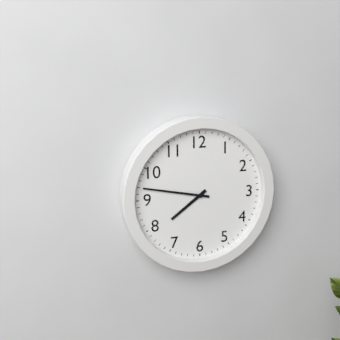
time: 7:47
